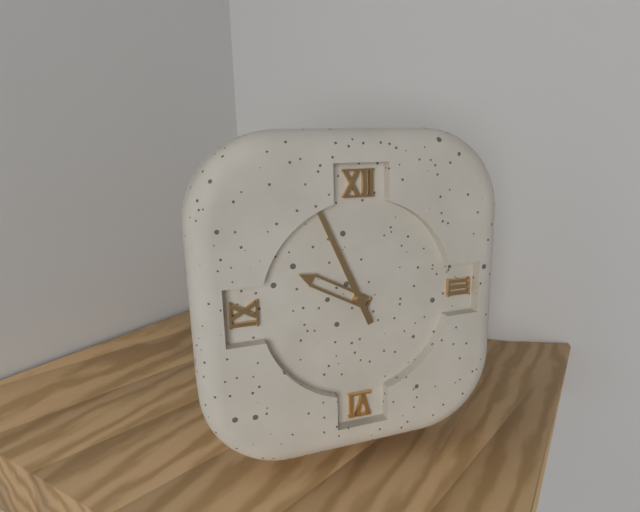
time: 9:56
